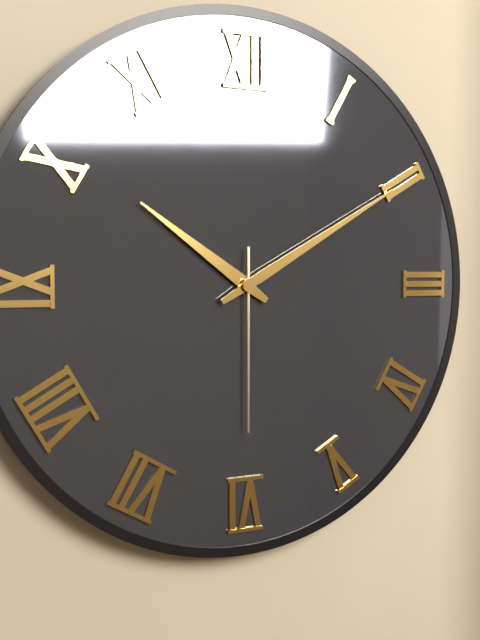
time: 10:10:30
